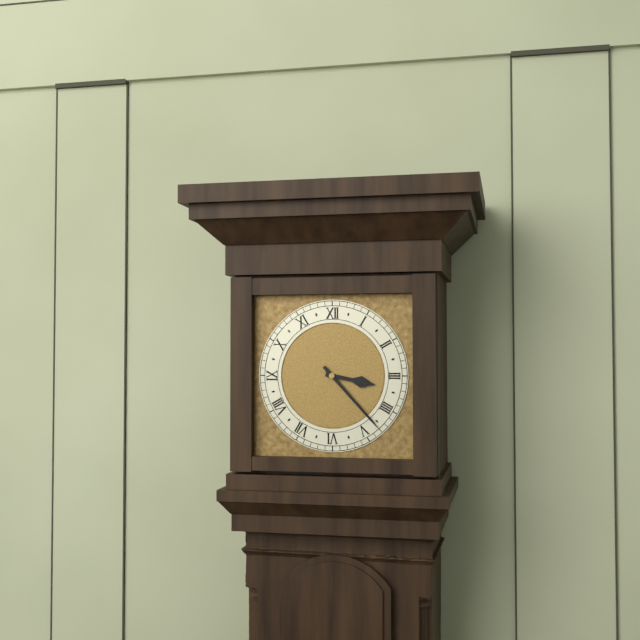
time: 3:23
